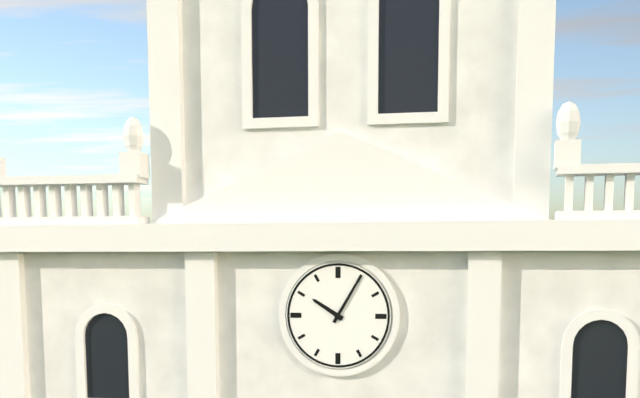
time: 10:05
